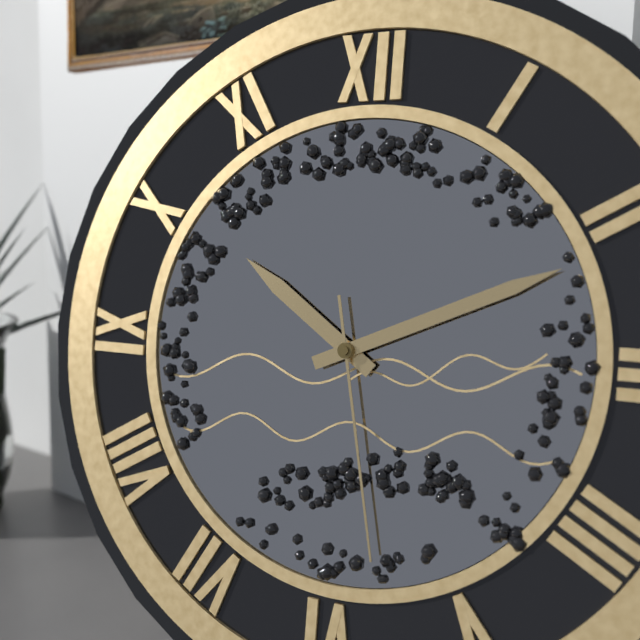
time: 10:11:28
